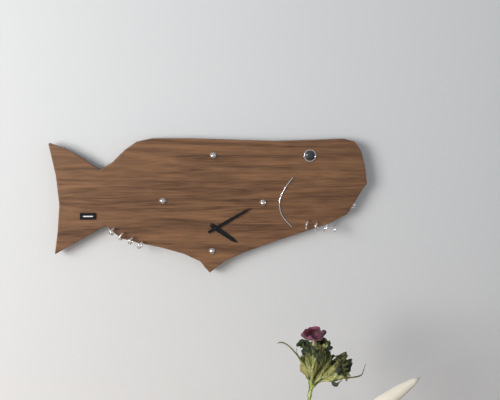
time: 4:10
